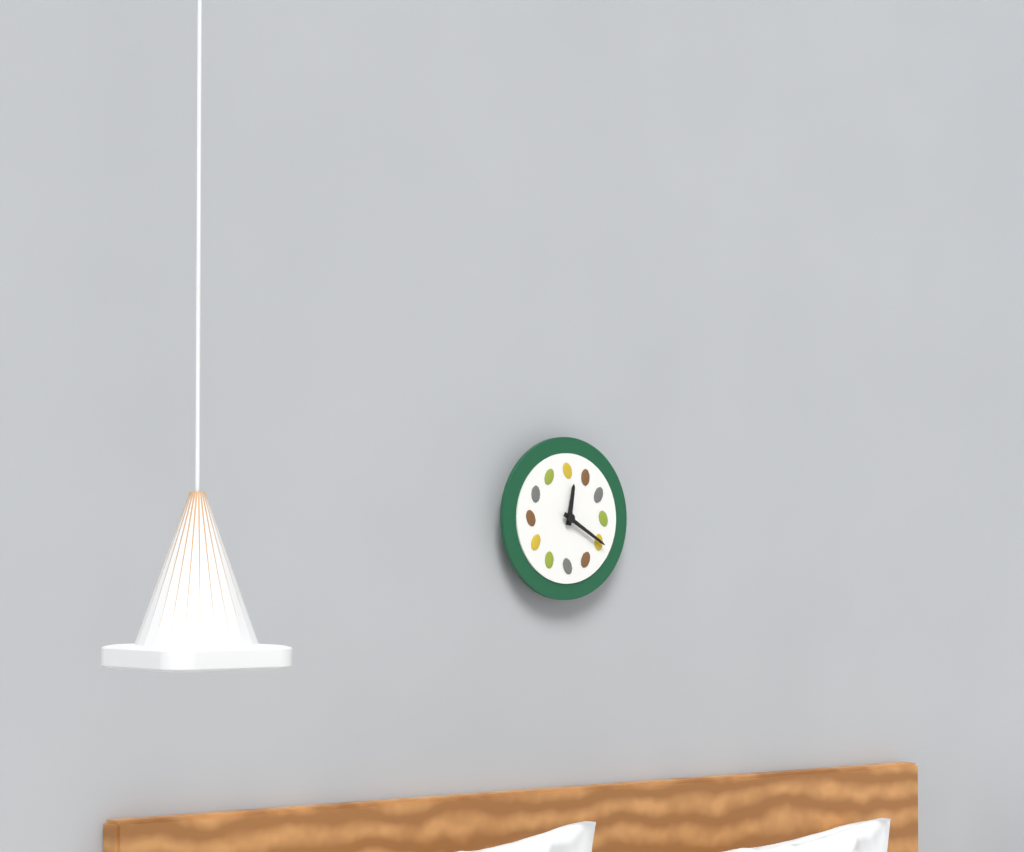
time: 12:20
